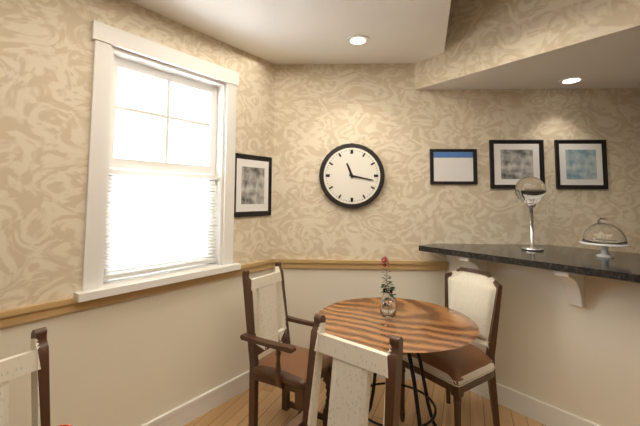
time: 11:17
